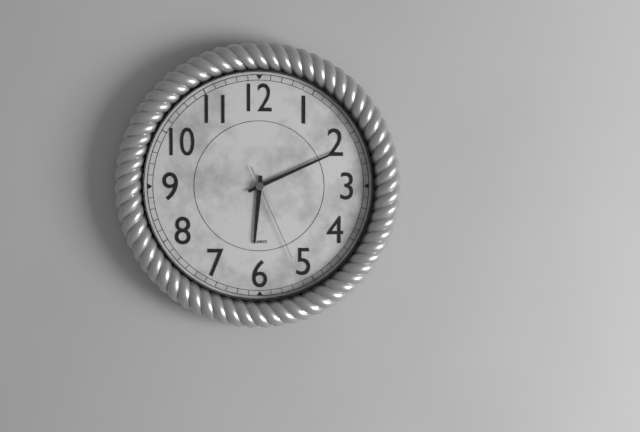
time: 6:11:26
